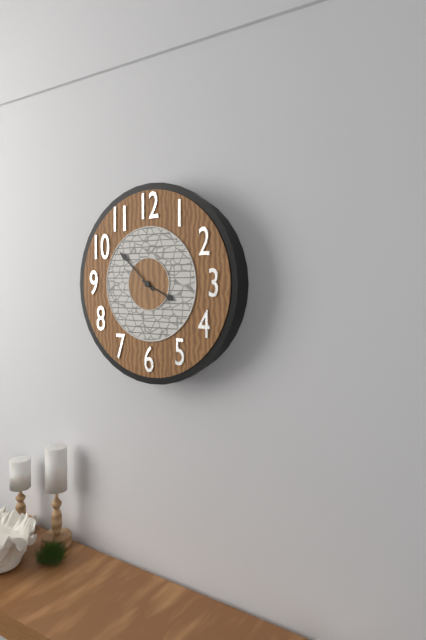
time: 3:52
